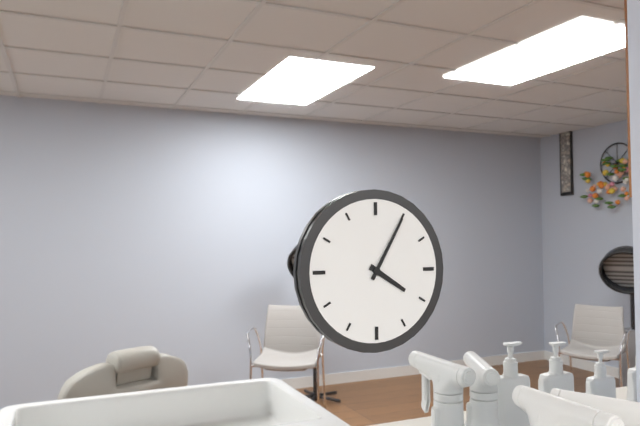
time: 4:05
